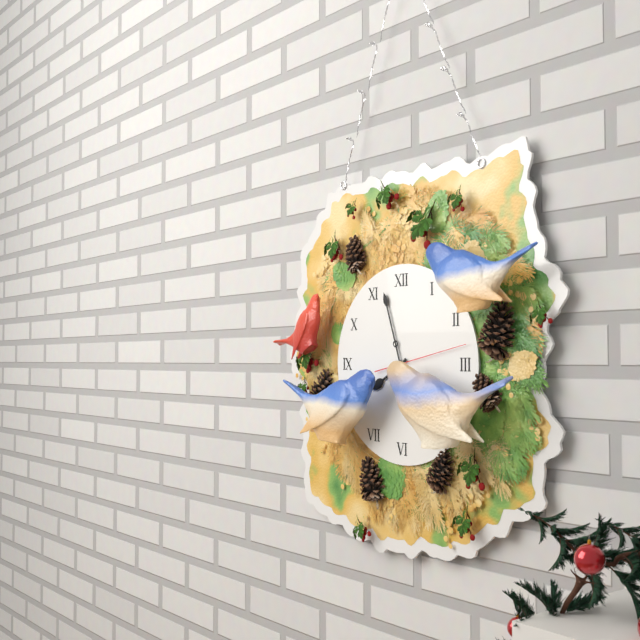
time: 7:57:13
